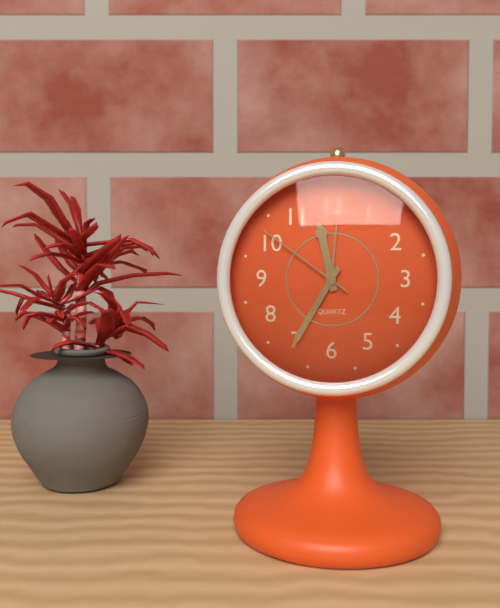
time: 11:35:51
